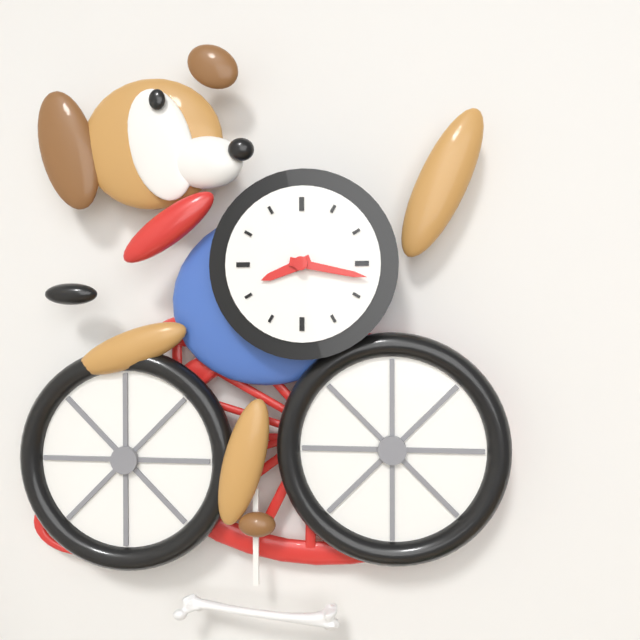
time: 8:17
